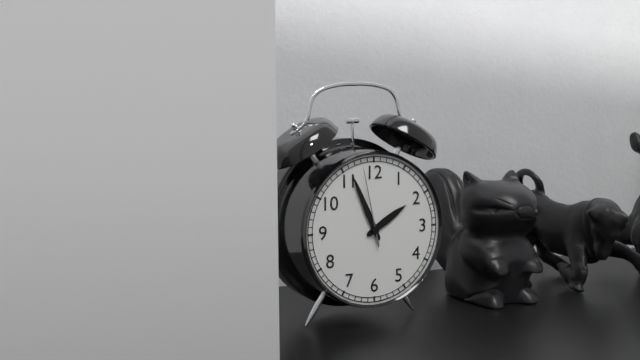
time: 1:56:58
